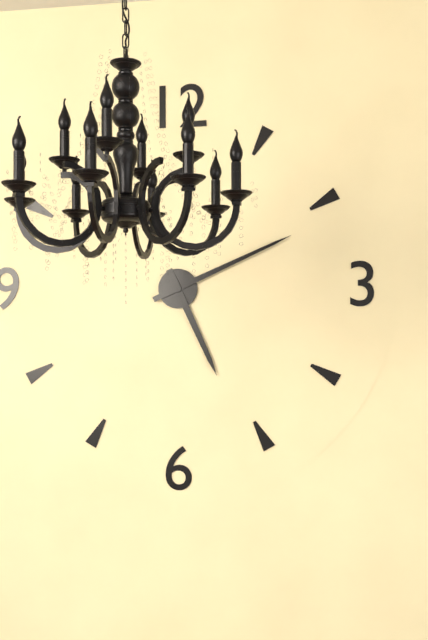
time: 5:11
